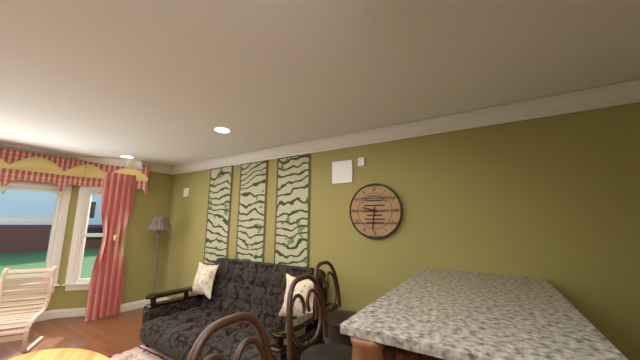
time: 9:31
